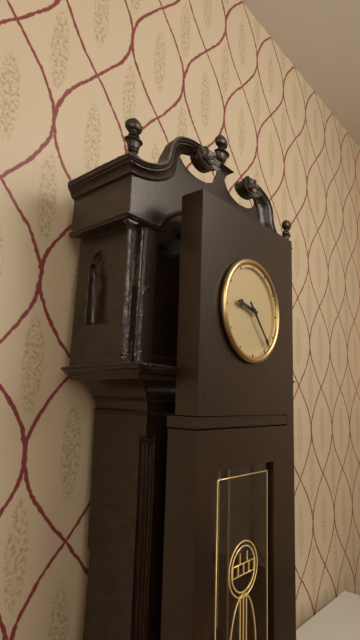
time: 9:23
